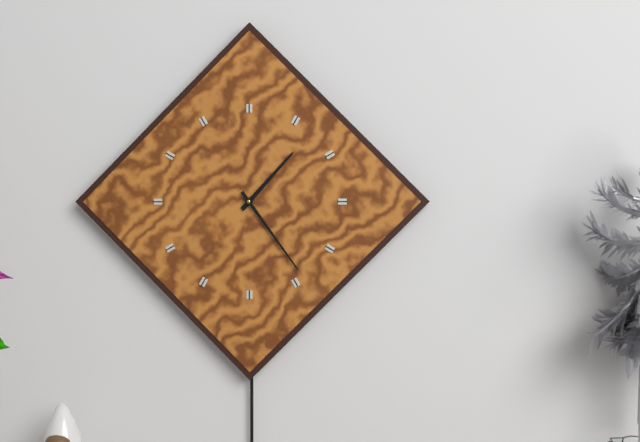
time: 1:24
